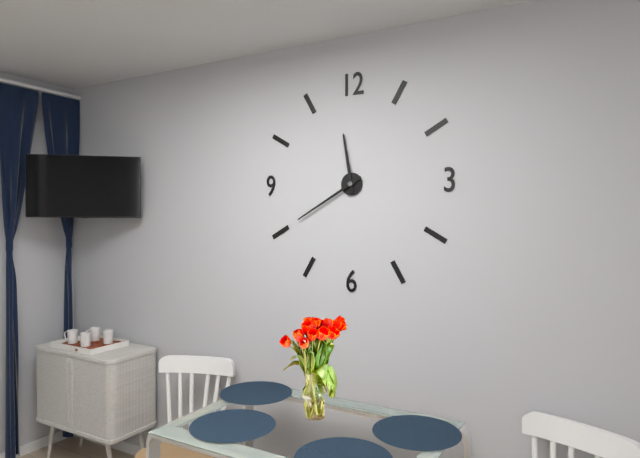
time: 11:40
